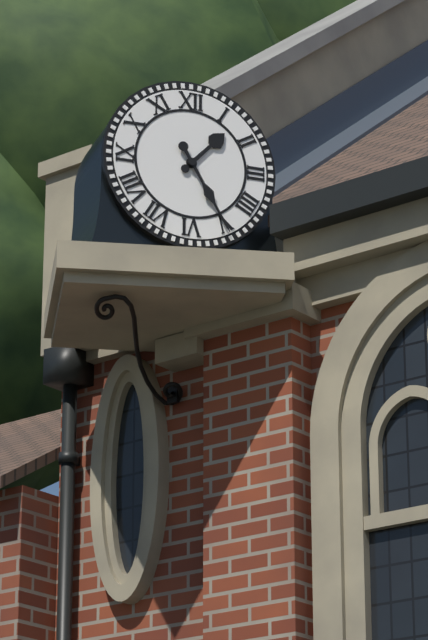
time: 1:25
